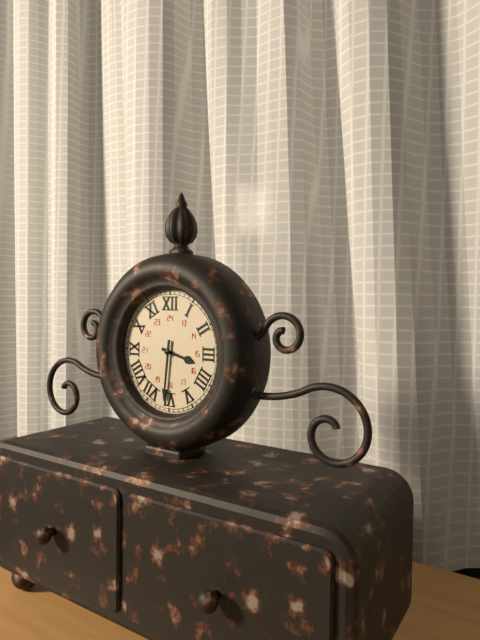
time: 3:31
